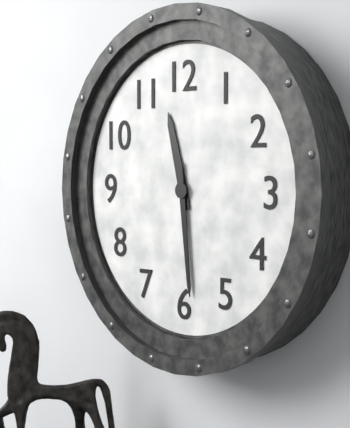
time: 11:29
